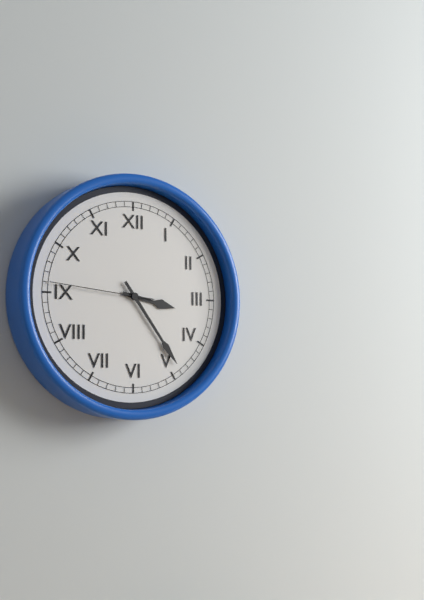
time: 3:24:46
